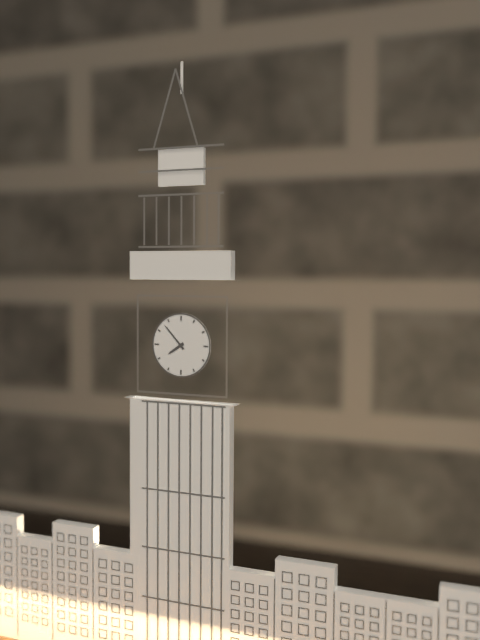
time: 7:53
